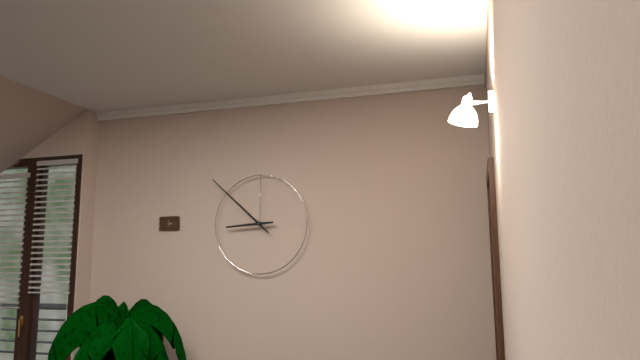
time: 8:52
